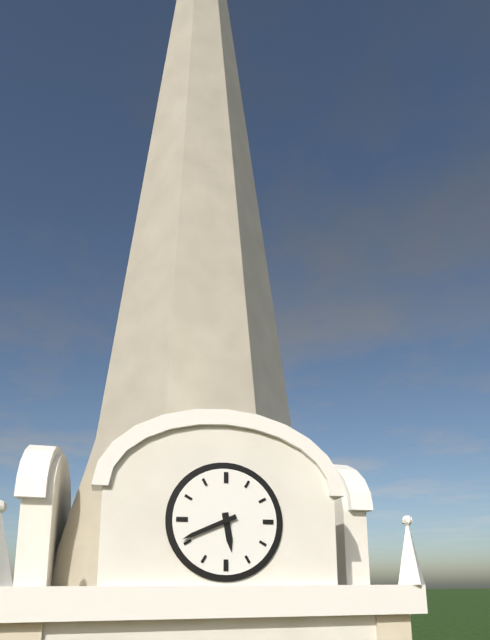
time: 5:41
